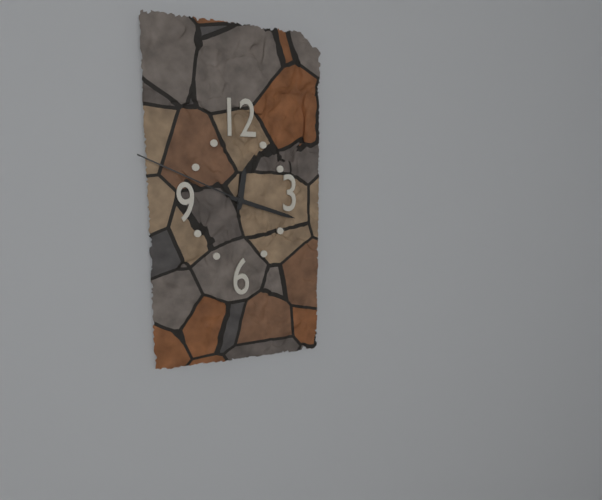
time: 12:18:49
